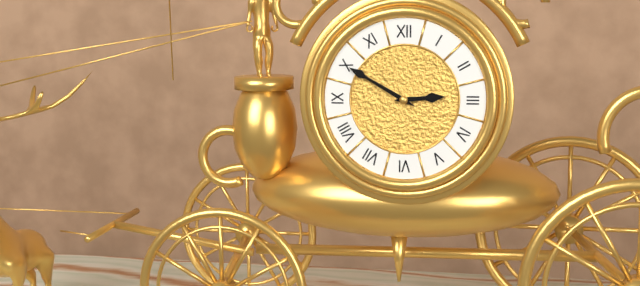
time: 2:50
